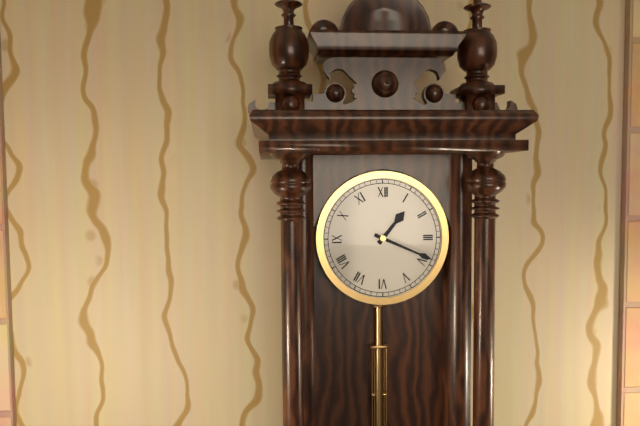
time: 1:19
